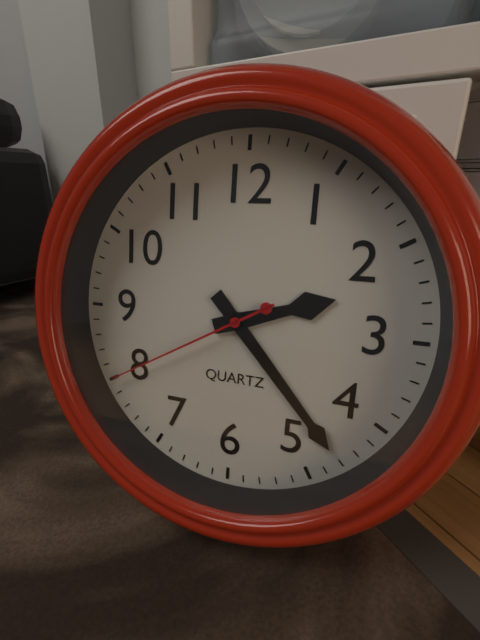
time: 2:23:40
